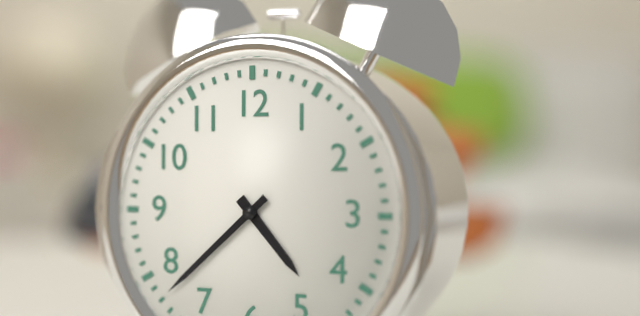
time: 4:38
